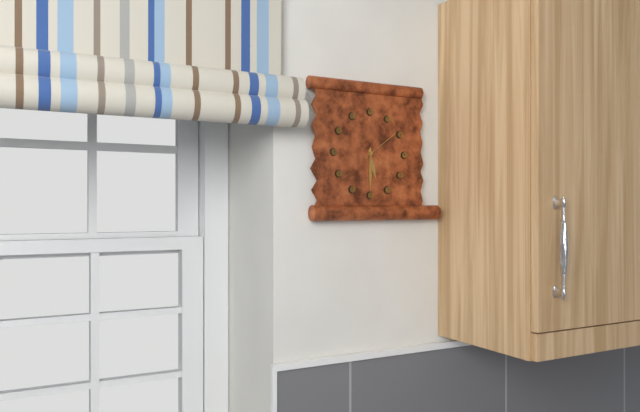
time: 5:30
